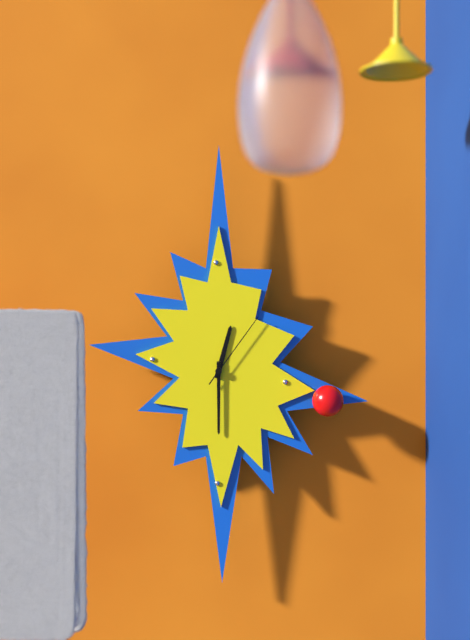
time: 12:30:06
